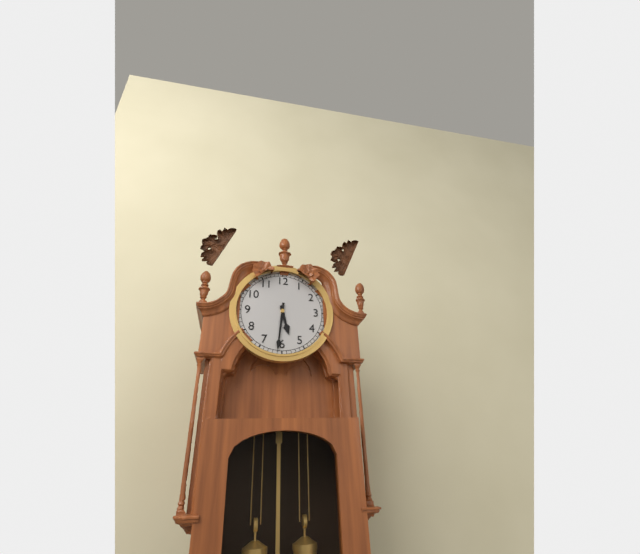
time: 5:31
